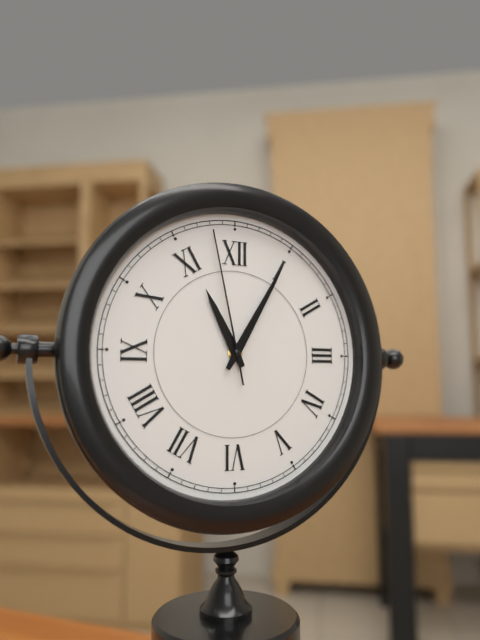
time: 11:05:58
